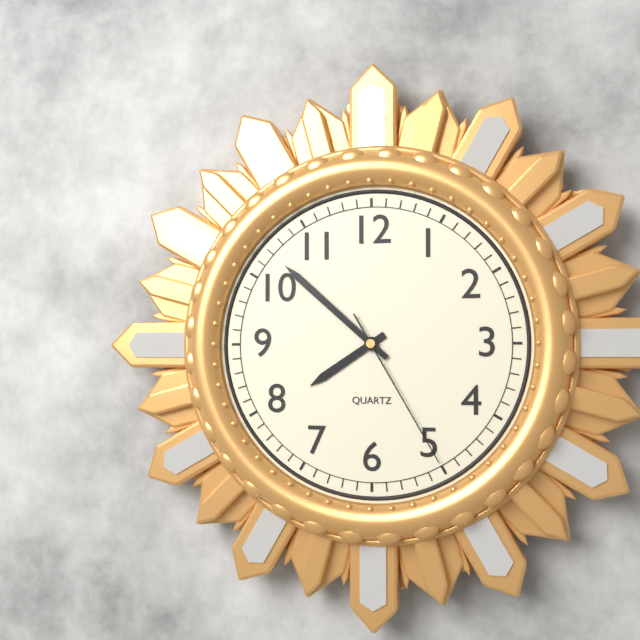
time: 7:52:25
